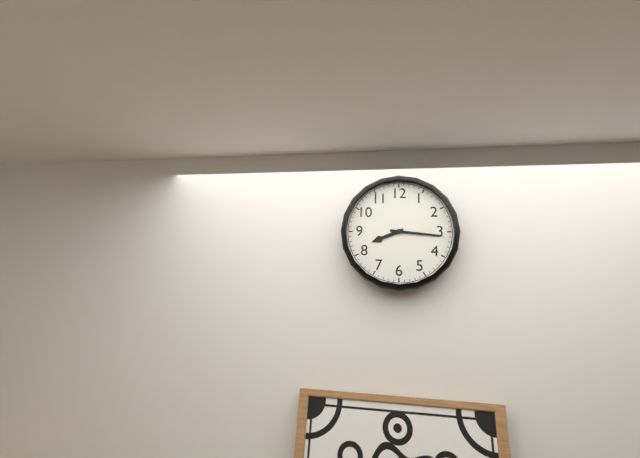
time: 8:16
